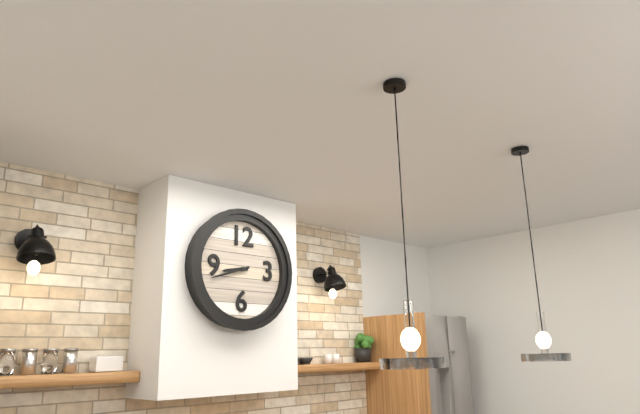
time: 8:42
